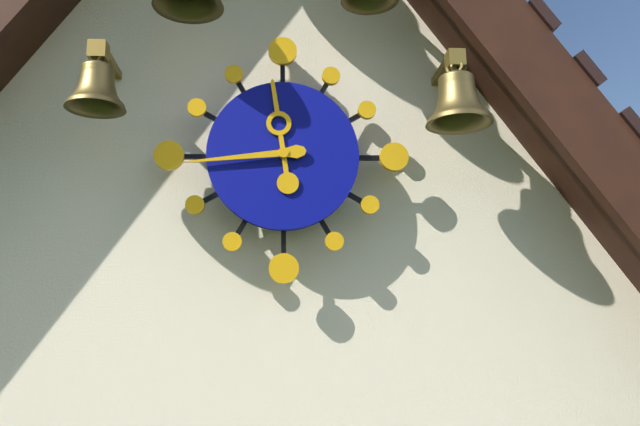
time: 11:44
